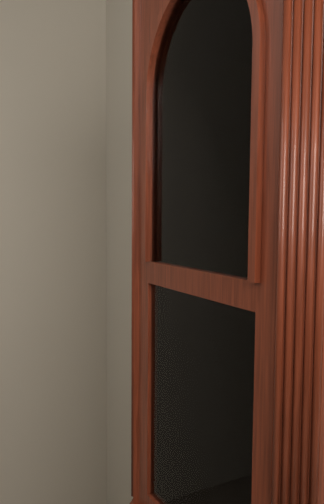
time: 10:37
